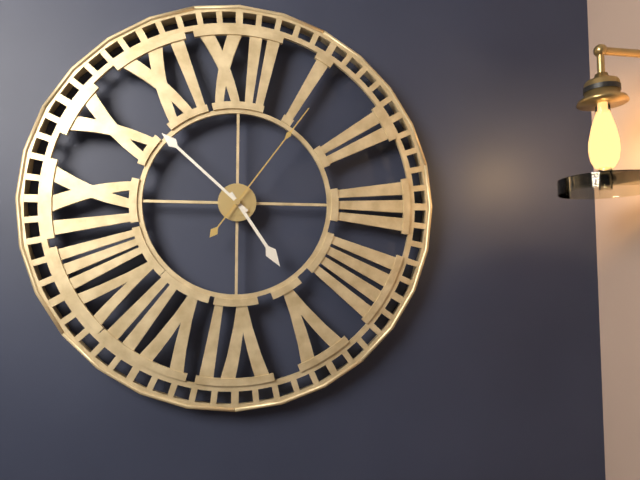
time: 4:52:06
